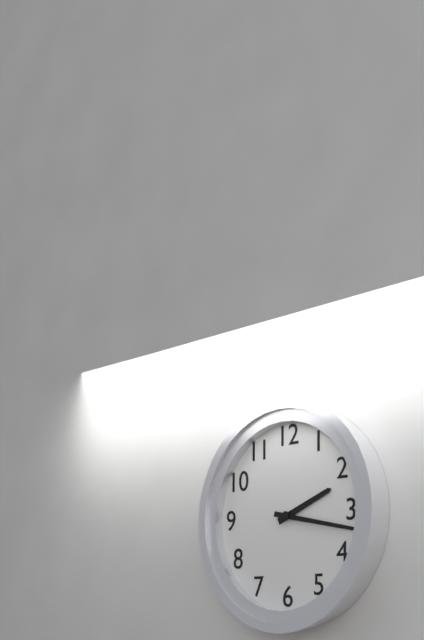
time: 2:17
